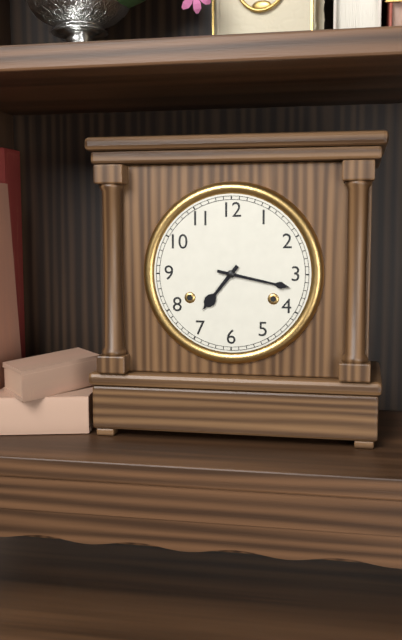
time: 7:17
